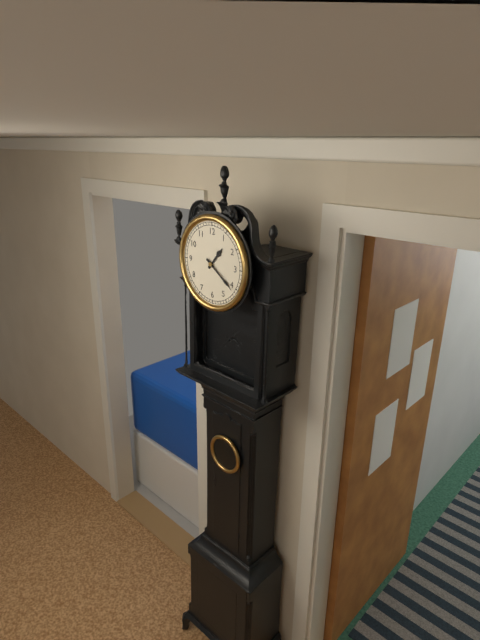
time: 1:21
